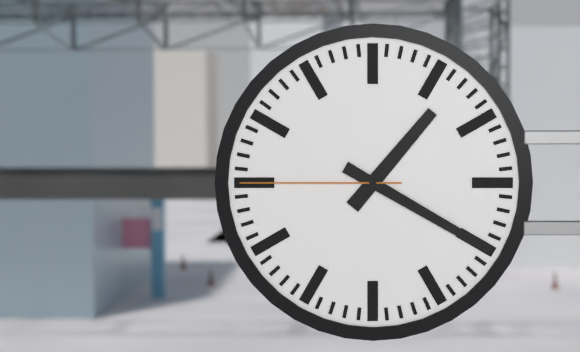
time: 1:20:45
